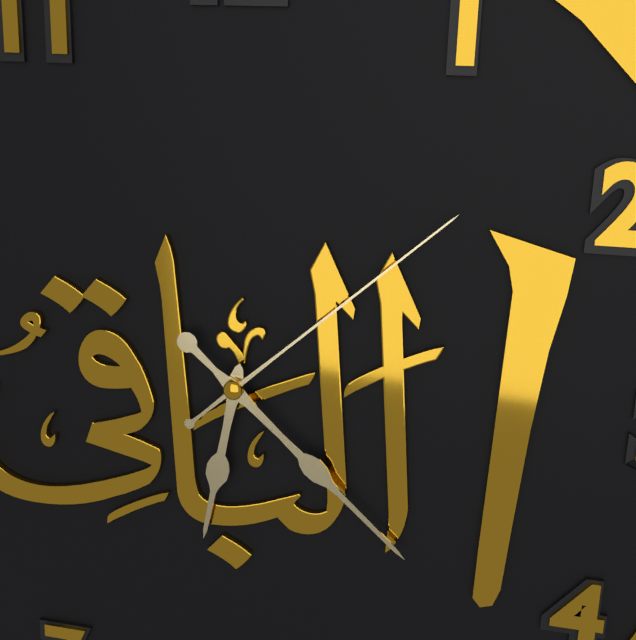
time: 6:22:08
